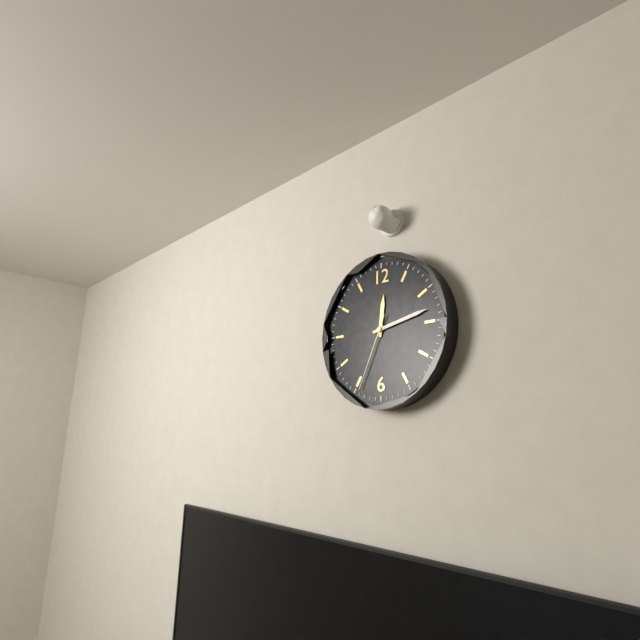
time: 12:13:34
